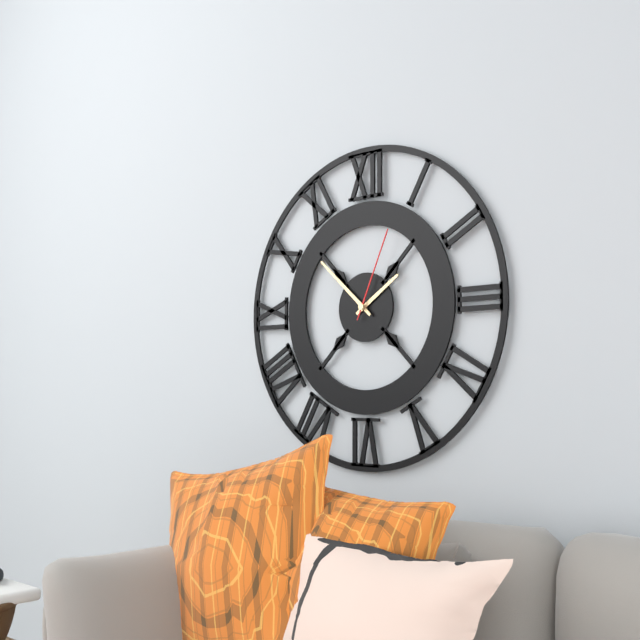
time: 1:52:04
